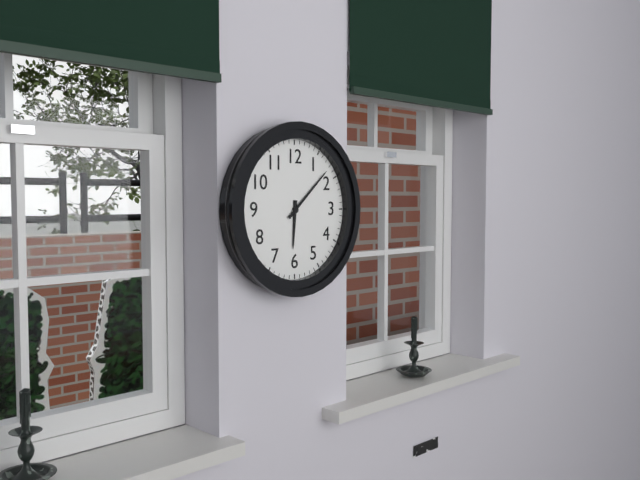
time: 6:08
